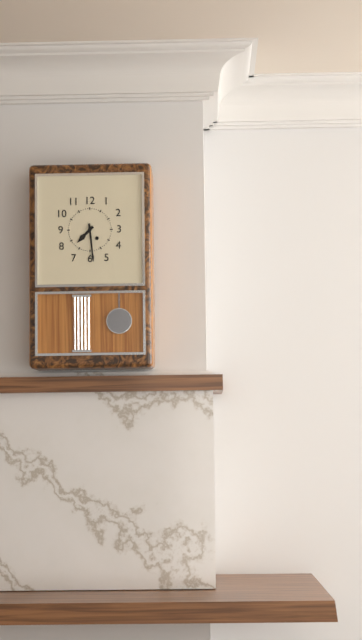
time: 7:29
